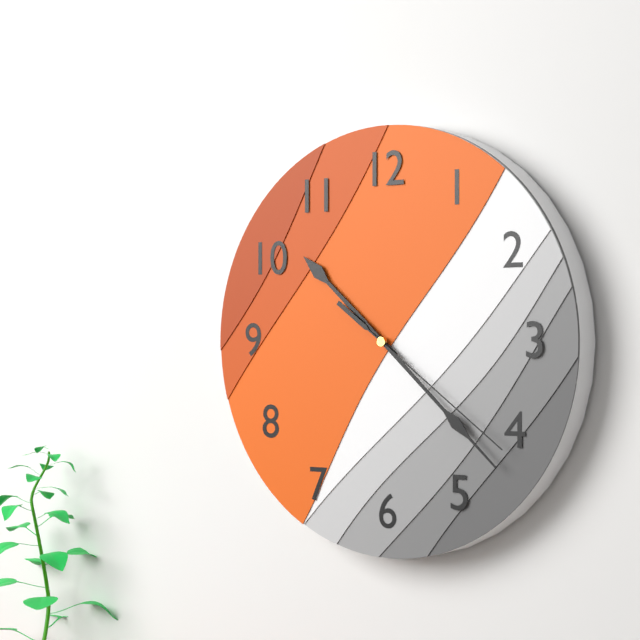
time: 10:22:21
